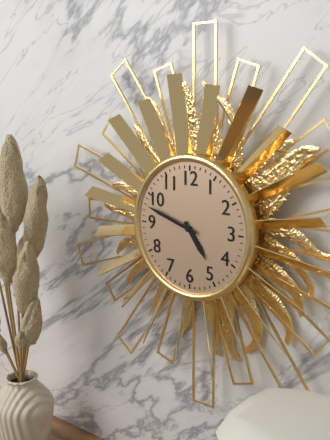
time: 4:48
